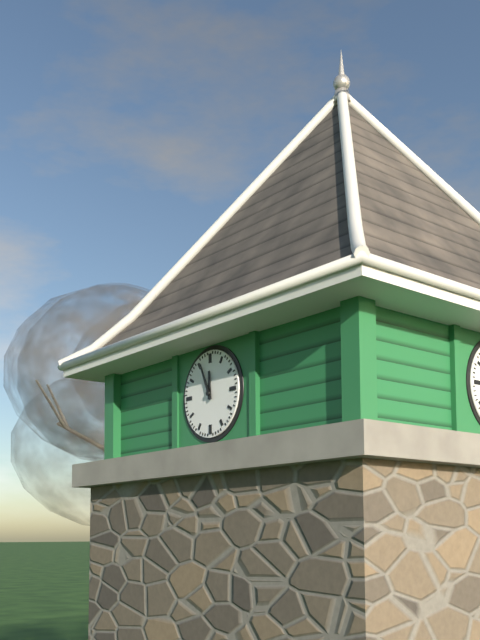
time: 11:56
